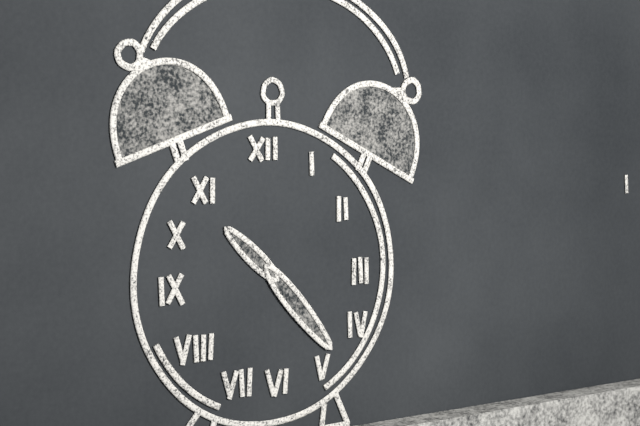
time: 10:23
